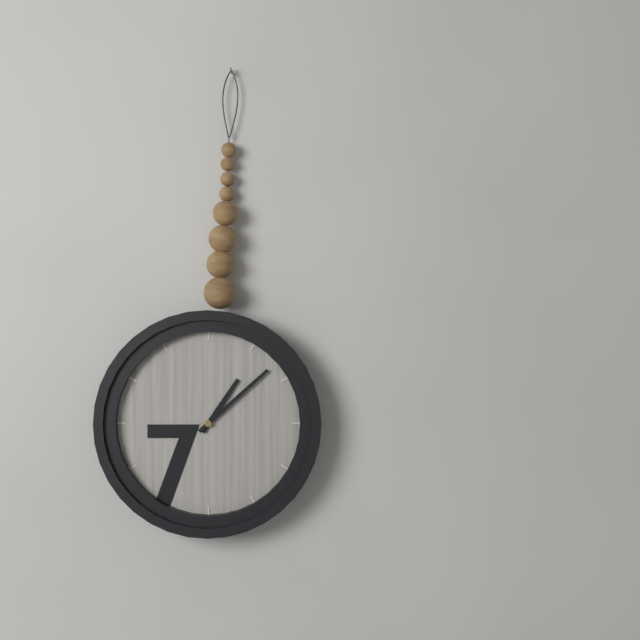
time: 1:08
